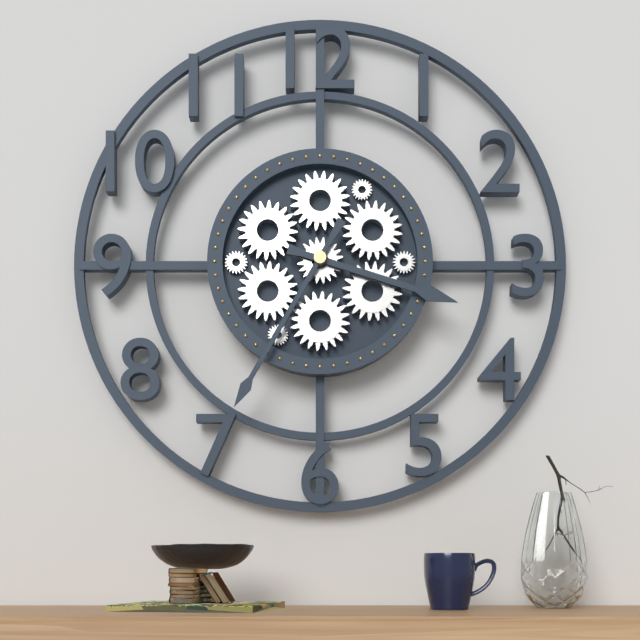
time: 3:35
